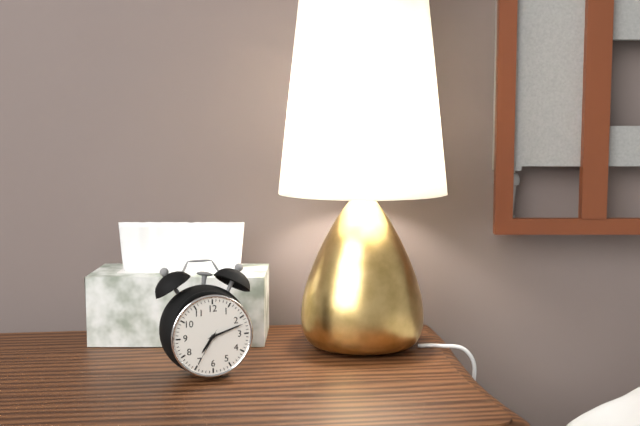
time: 7:12
